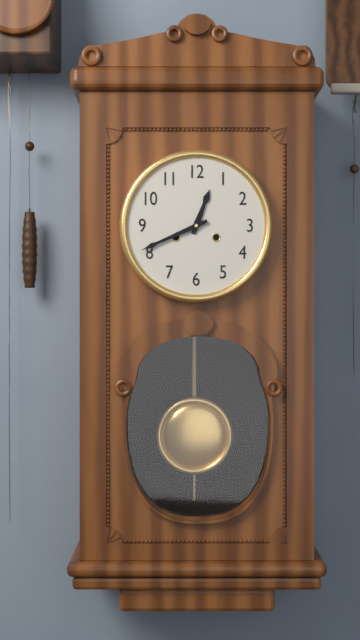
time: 12:41
